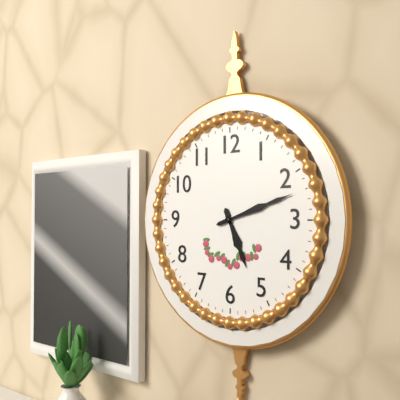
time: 5:12
